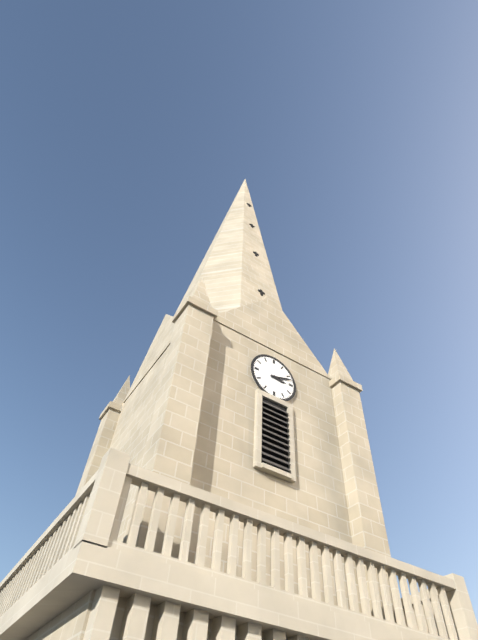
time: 3:12
